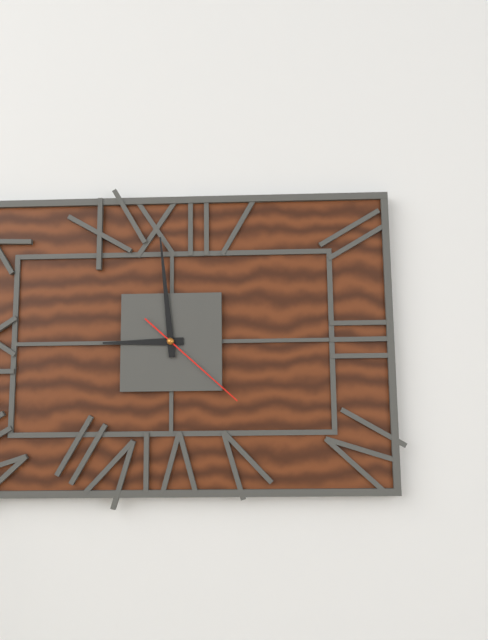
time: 8:59:22
